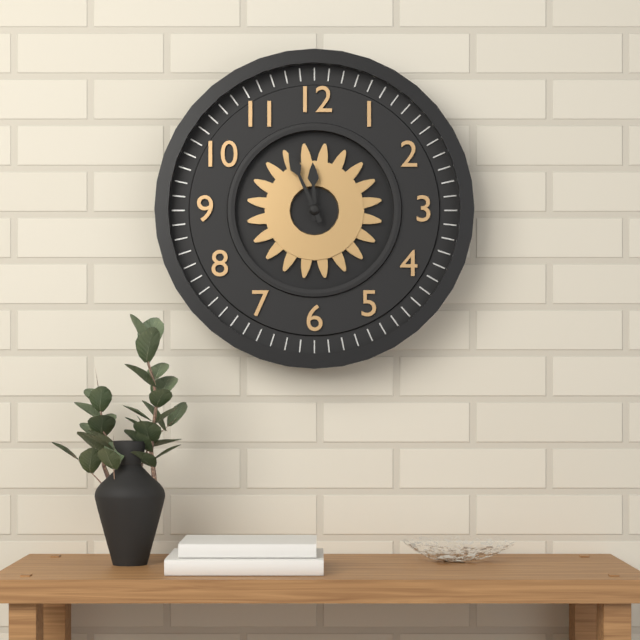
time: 11:56
